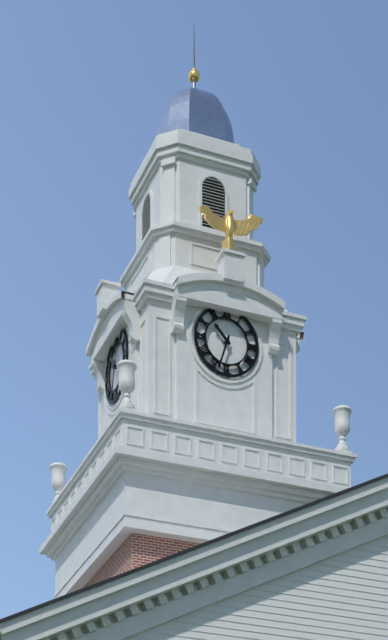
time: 10:33
